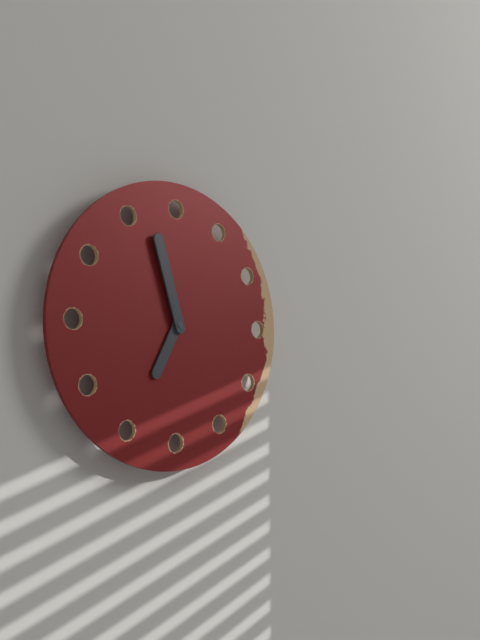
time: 6:57
